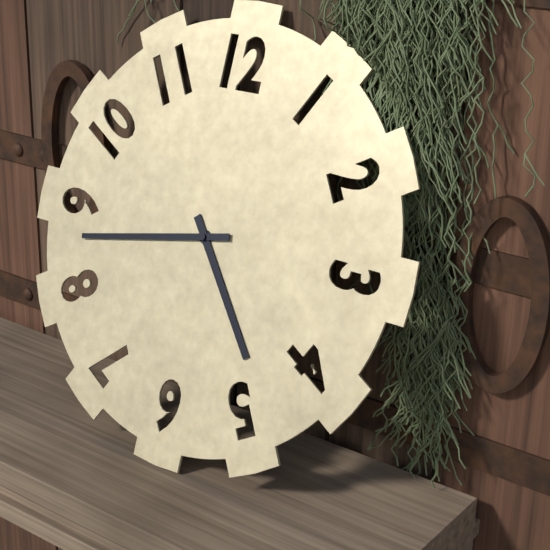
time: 4:43
